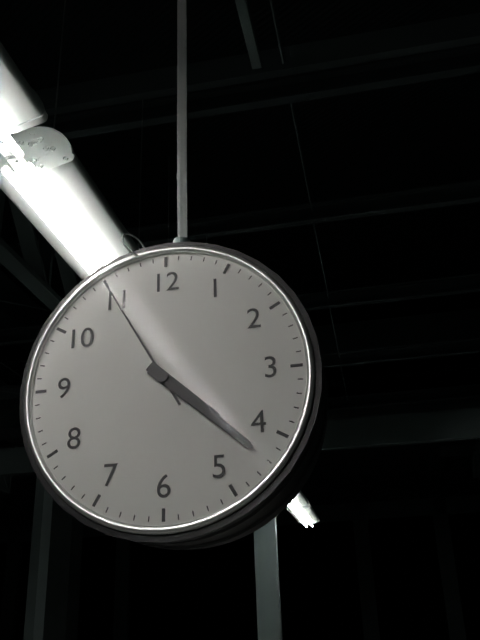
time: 4:22:55
